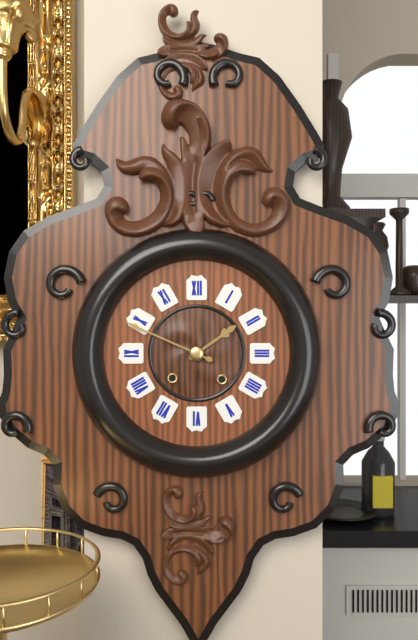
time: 1:49
